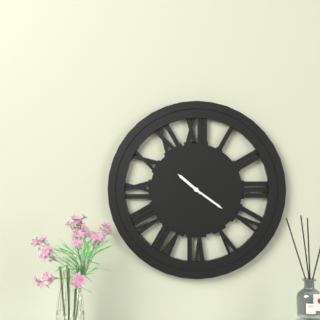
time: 10:21
